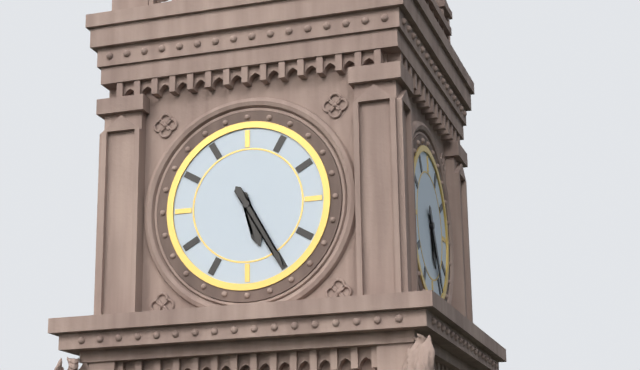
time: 5:25
